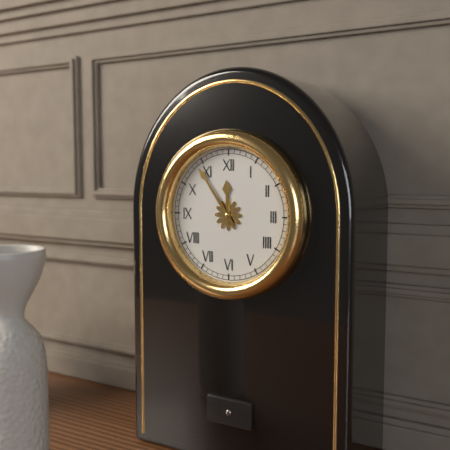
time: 11:54
